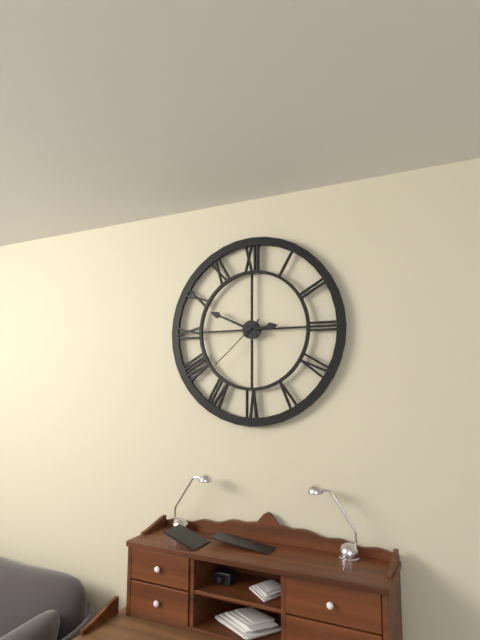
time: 2:49:38
